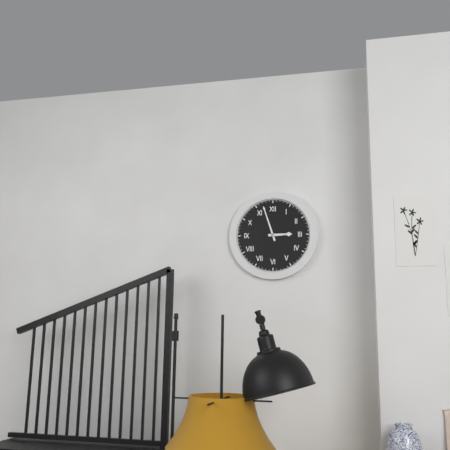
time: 2:57
